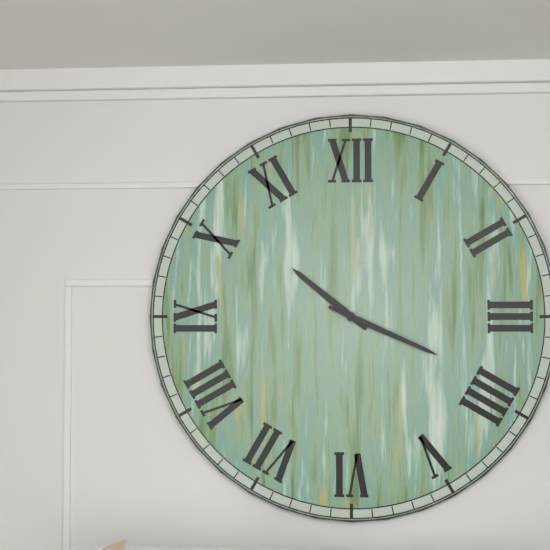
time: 10:19
